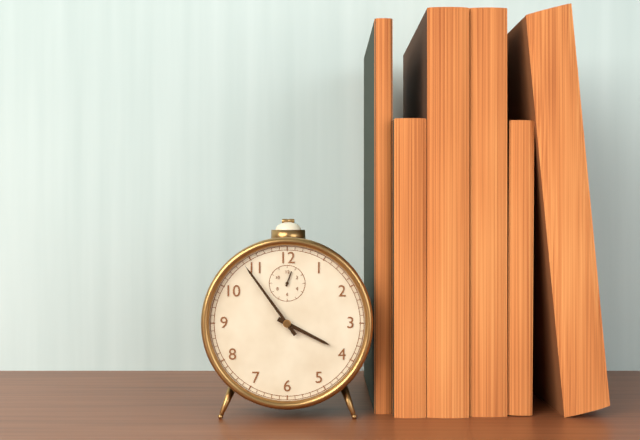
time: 3:54
